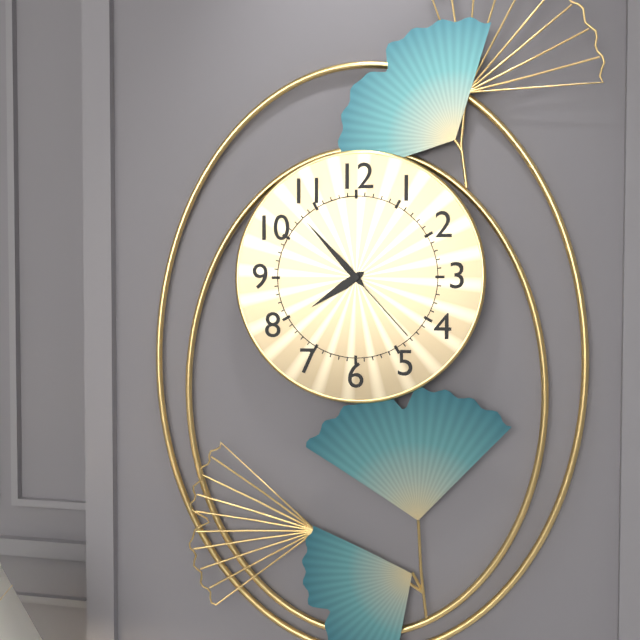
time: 7:53:23
